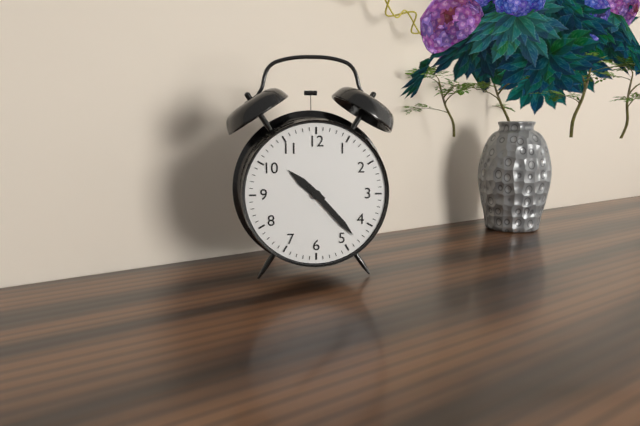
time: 10:23
